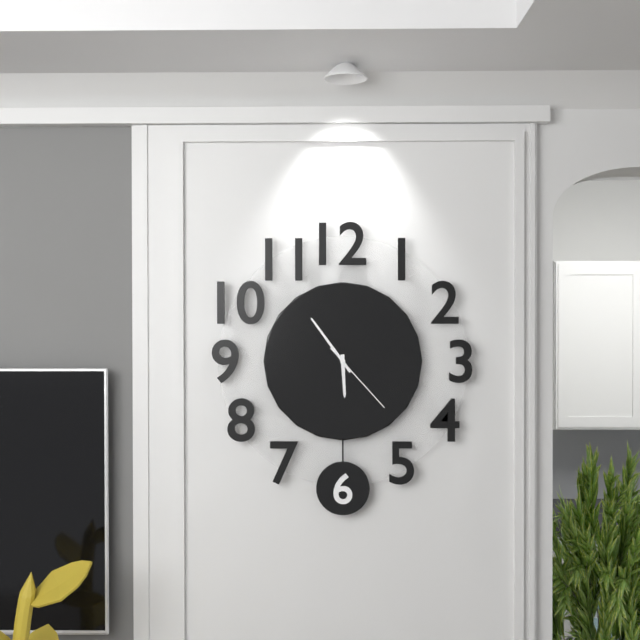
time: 5:54:23
